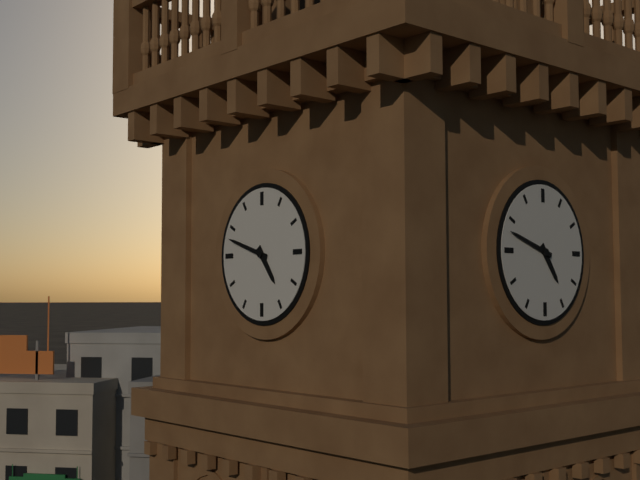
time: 4:48
